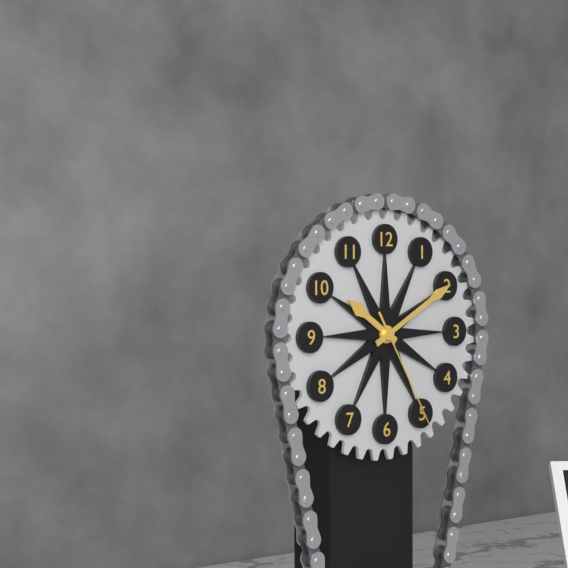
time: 10:10:25
